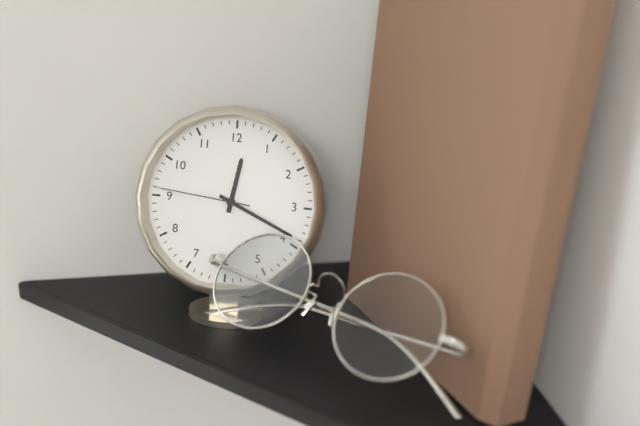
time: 12:19:46
